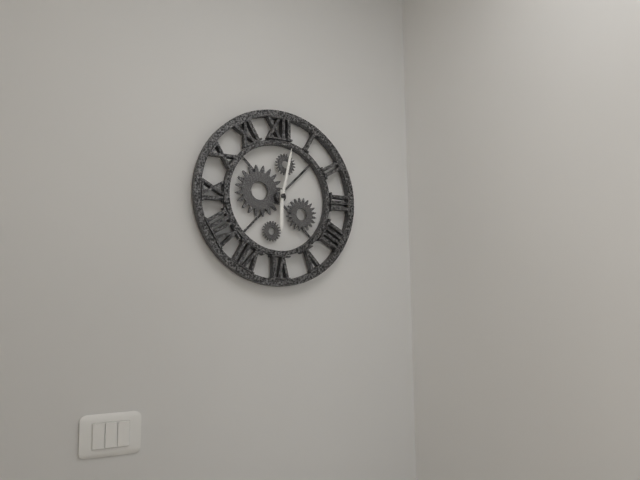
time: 6:02
